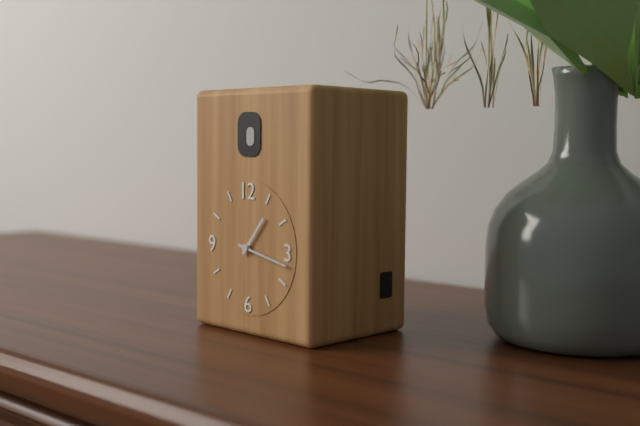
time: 1:17
